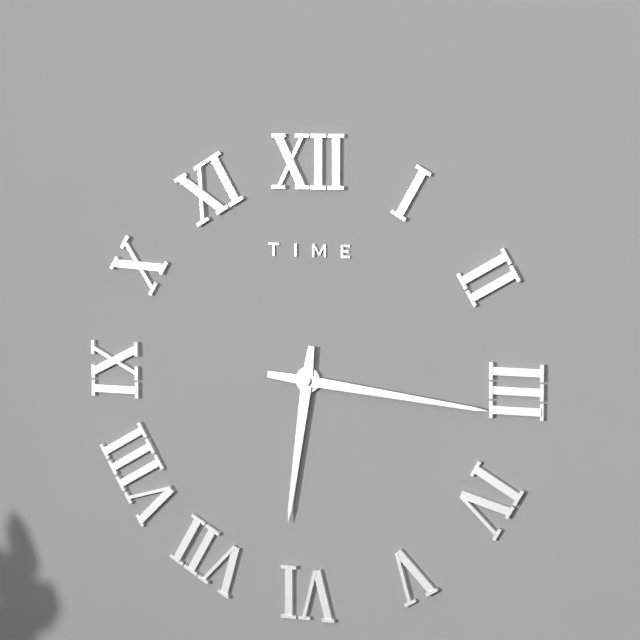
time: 6:16
